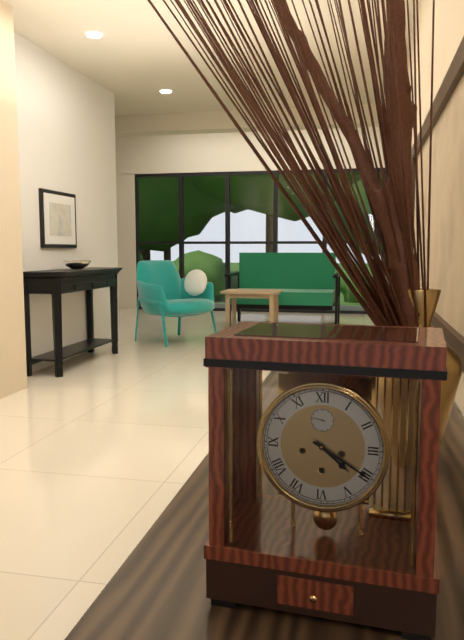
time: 4:20
